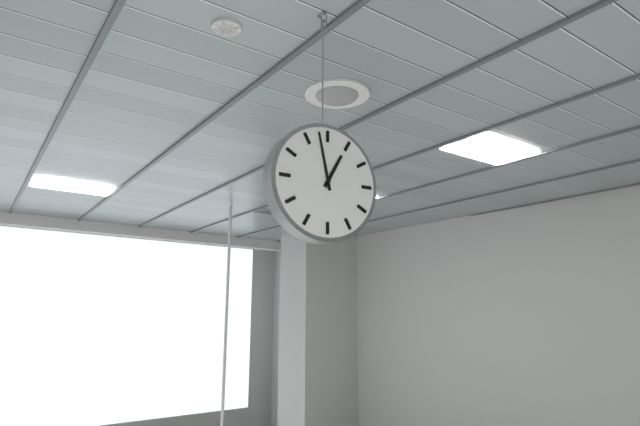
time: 12:58
